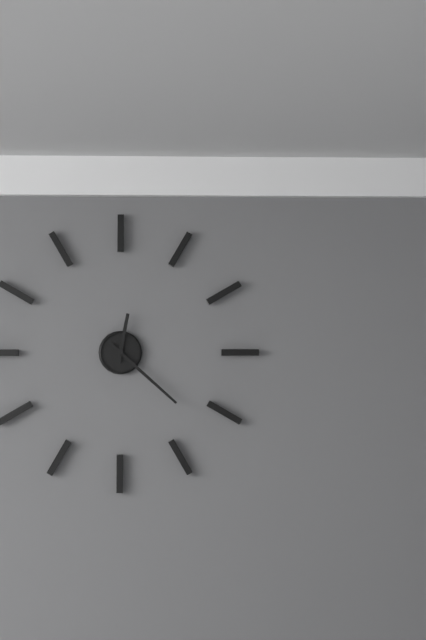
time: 12:22
